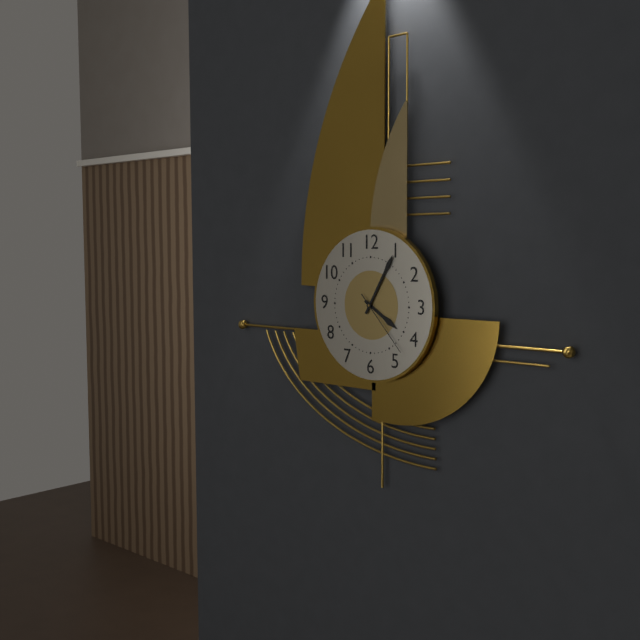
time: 4:05:23
